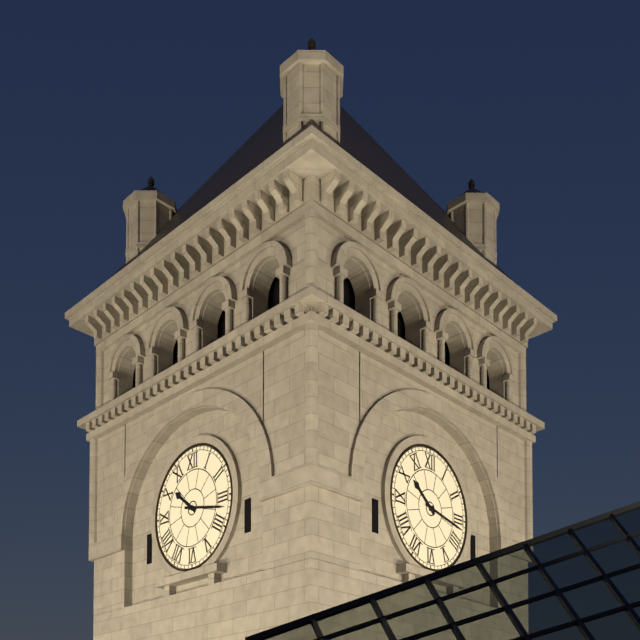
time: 10:17
